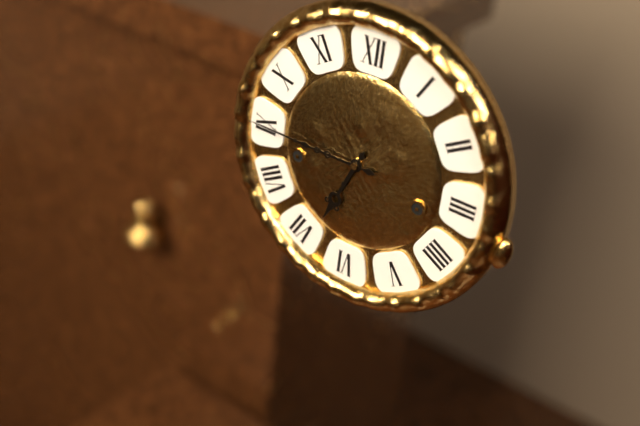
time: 6:45
